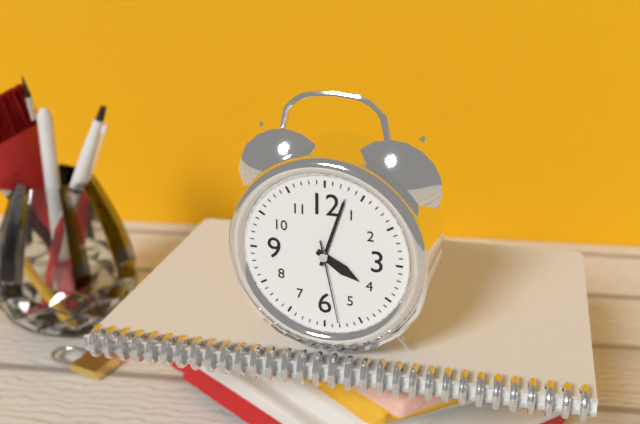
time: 4:03:28
